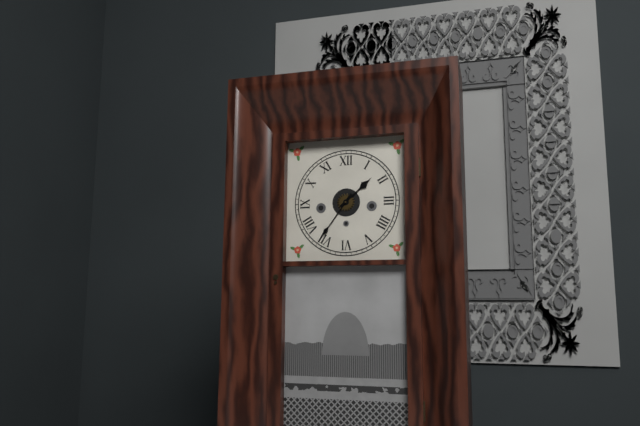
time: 1:36
